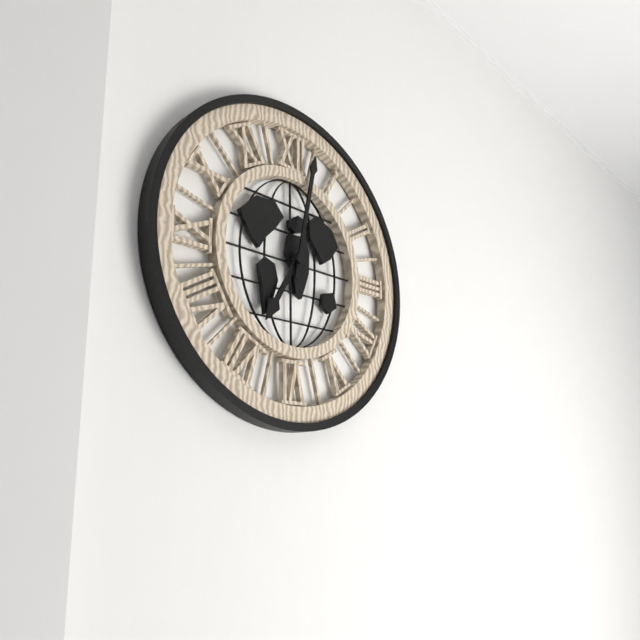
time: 7:02
